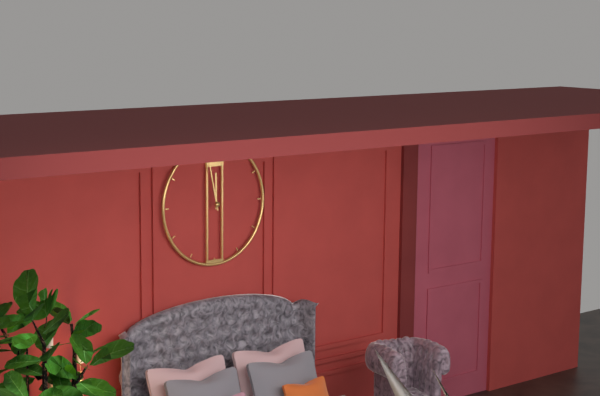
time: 11:58
